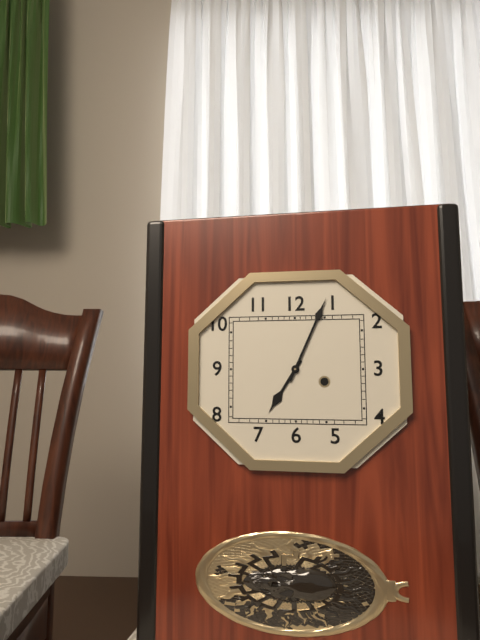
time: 7:04
